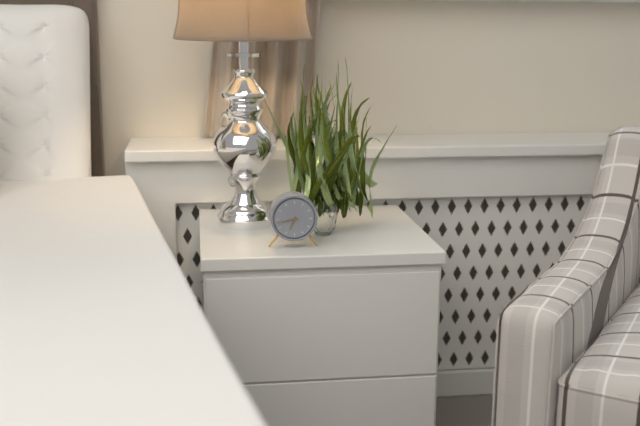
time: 6:43
